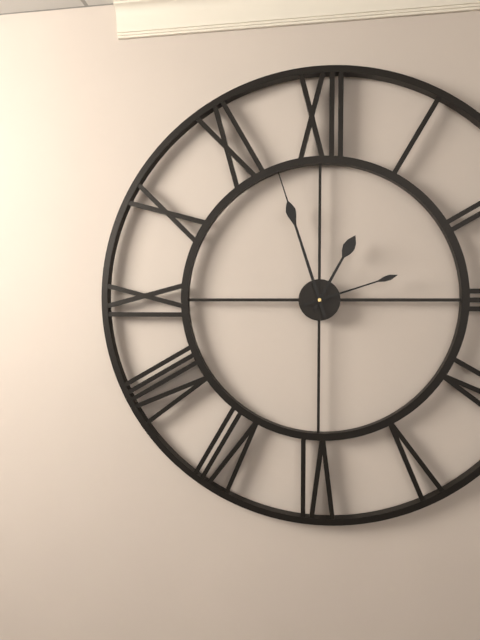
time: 12:57:12
